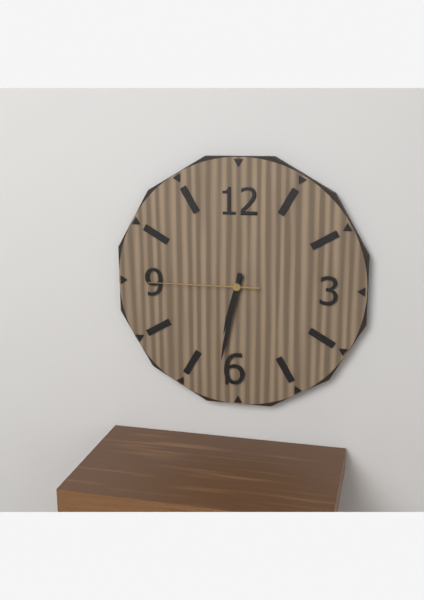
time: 6:32:45
